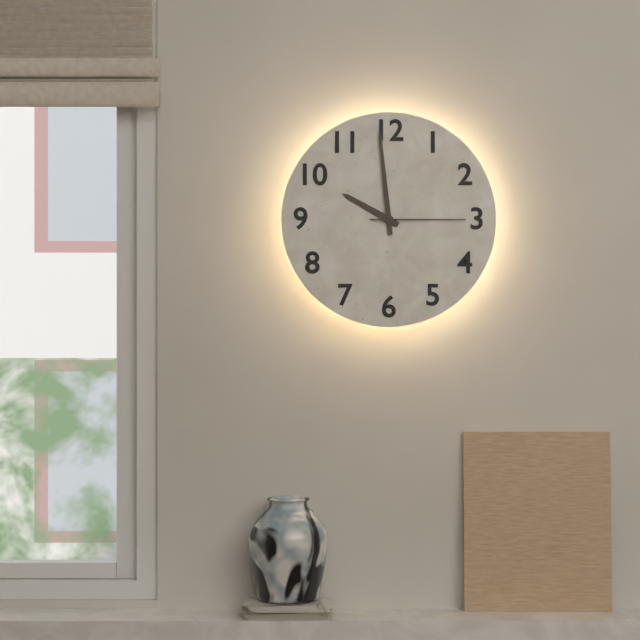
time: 9:59:15
